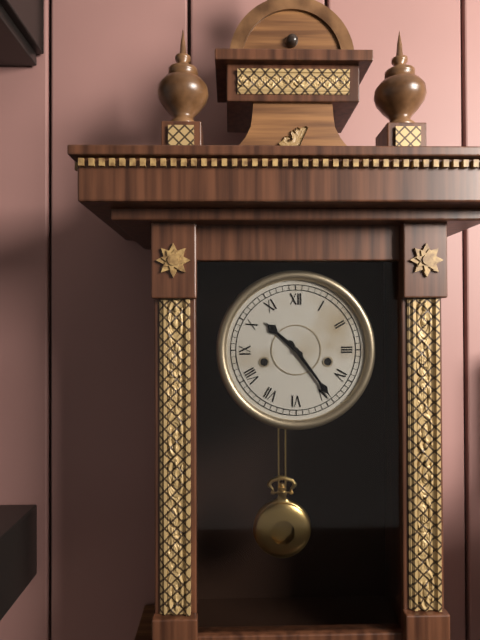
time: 10:24
